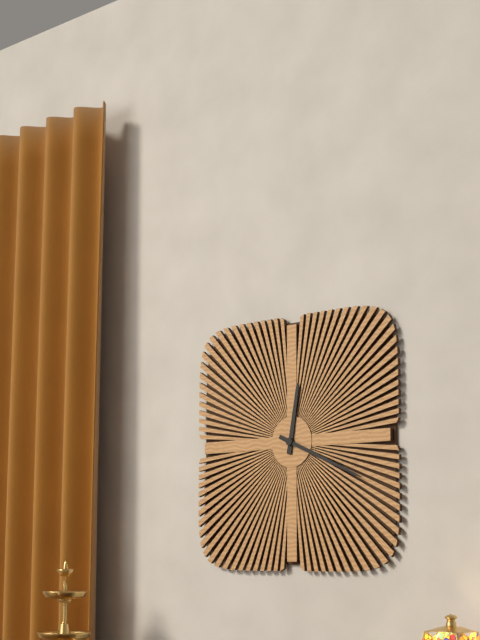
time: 12:19
